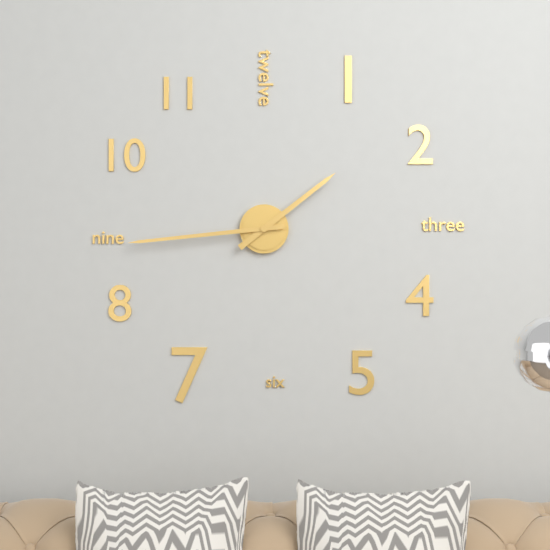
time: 1:44
